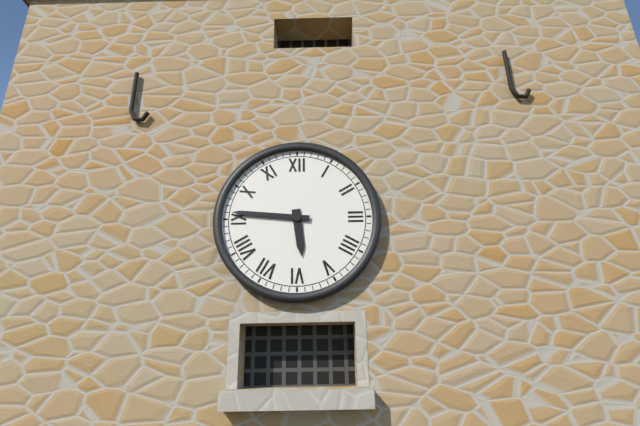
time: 5:46
